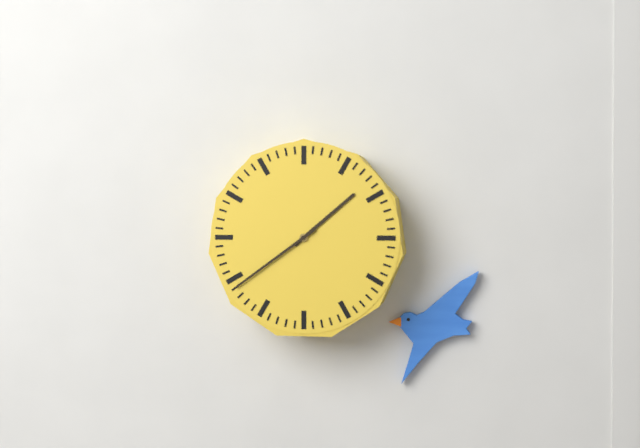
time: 1:39
